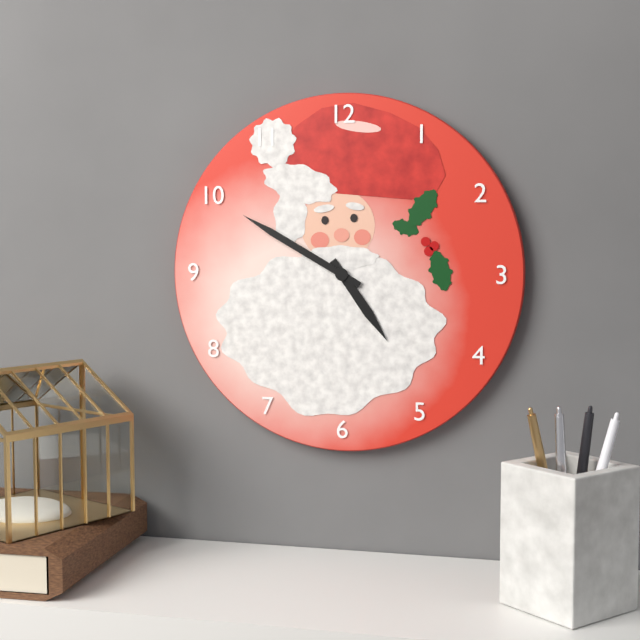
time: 4:50
